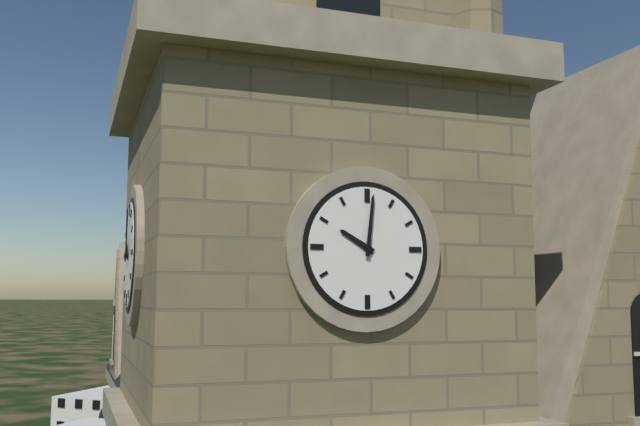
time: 10:01
